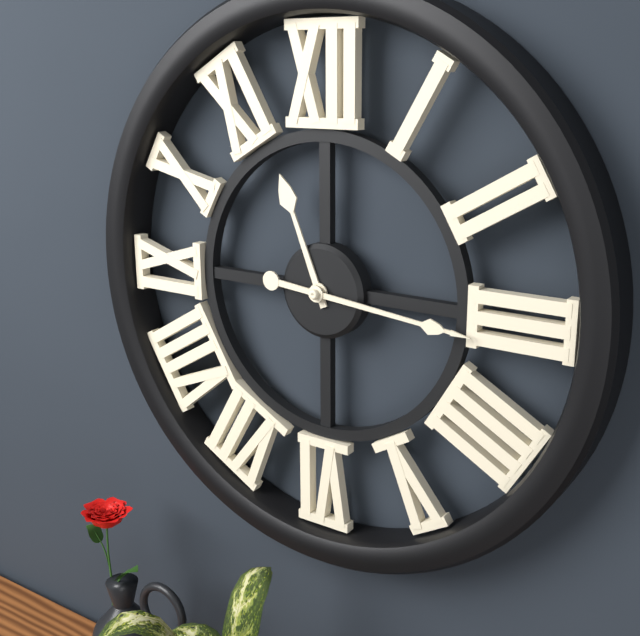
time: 11:16
